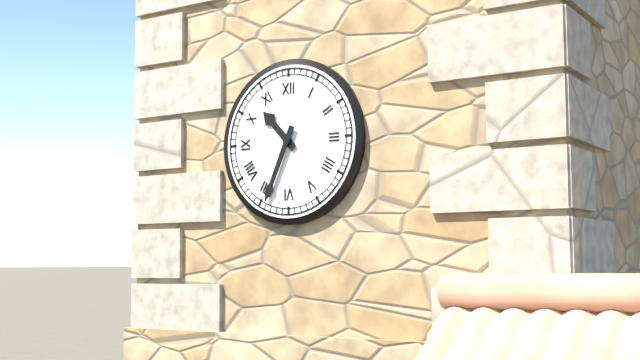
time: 10:34
